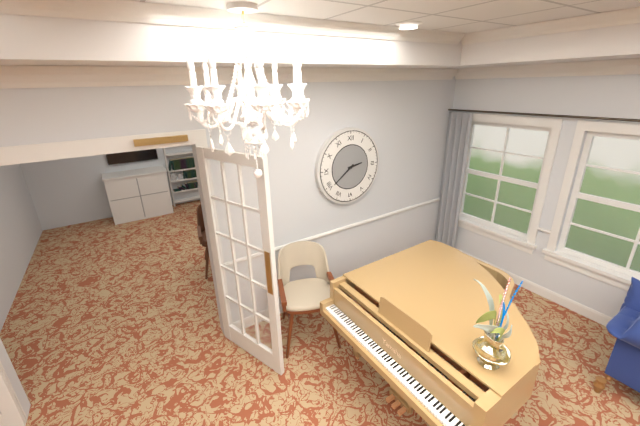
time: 2:39
